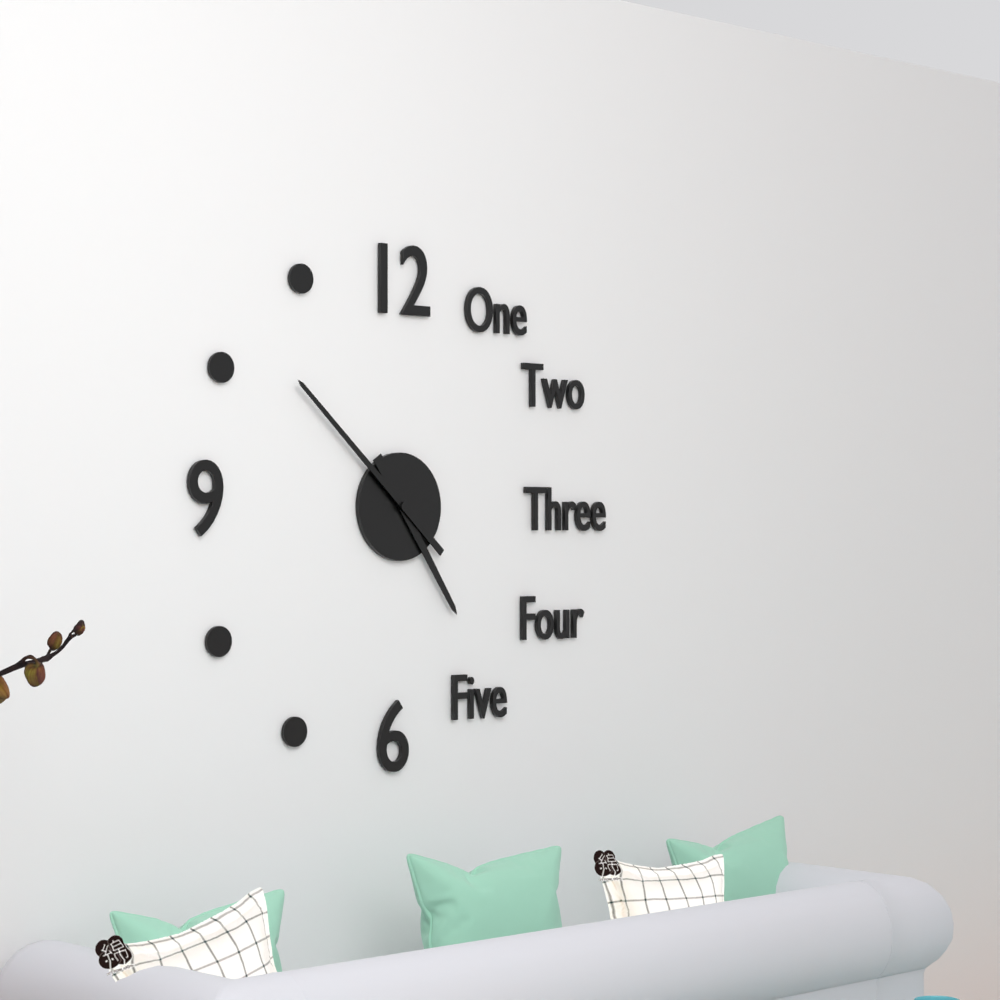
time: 4:52
